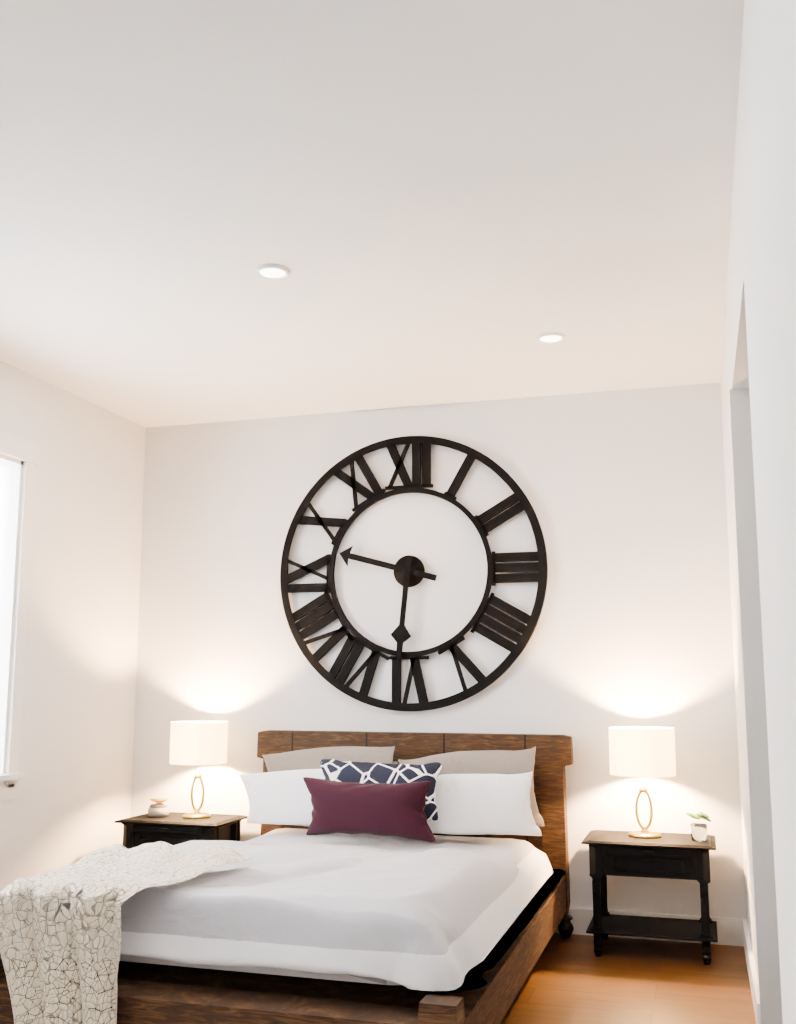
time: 9:31
